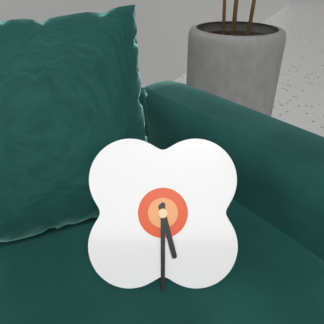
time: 5:30
